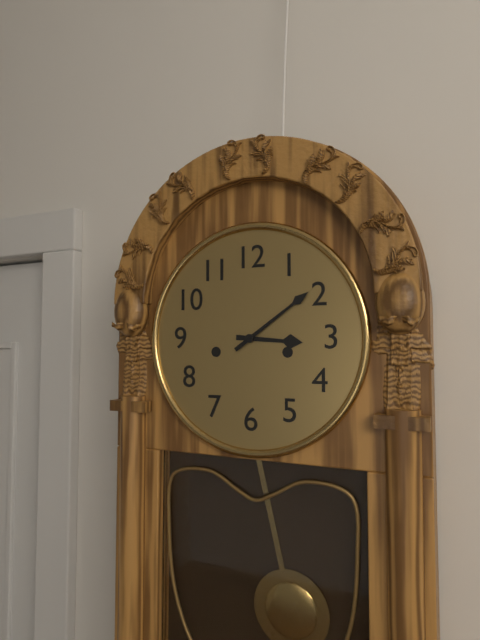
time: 3:09
